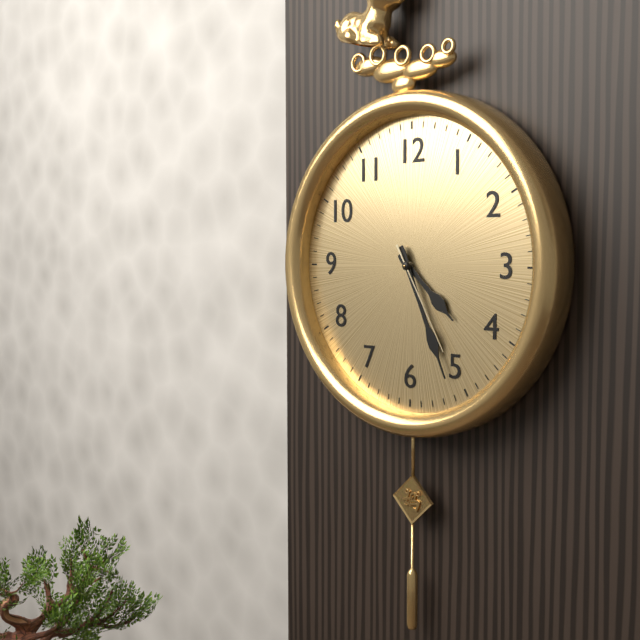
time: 4:26:25
